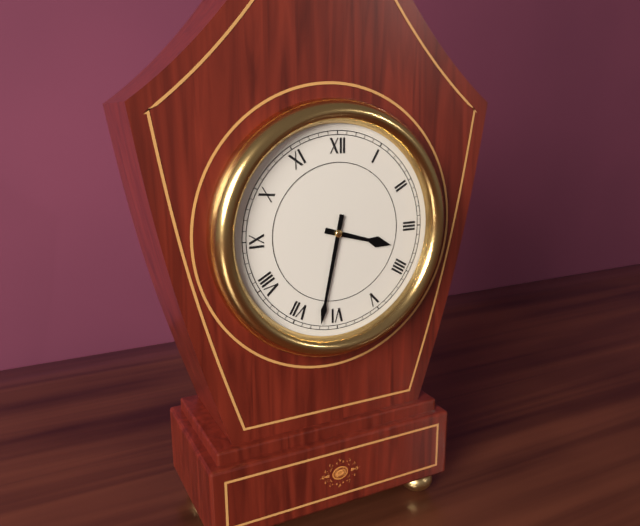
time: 3:32
